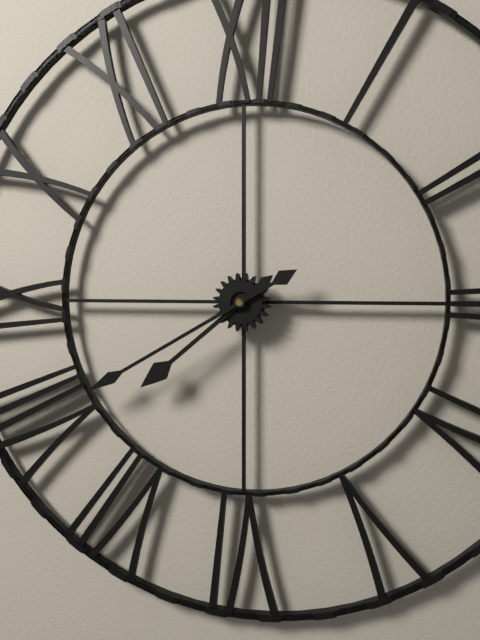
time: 7:40
